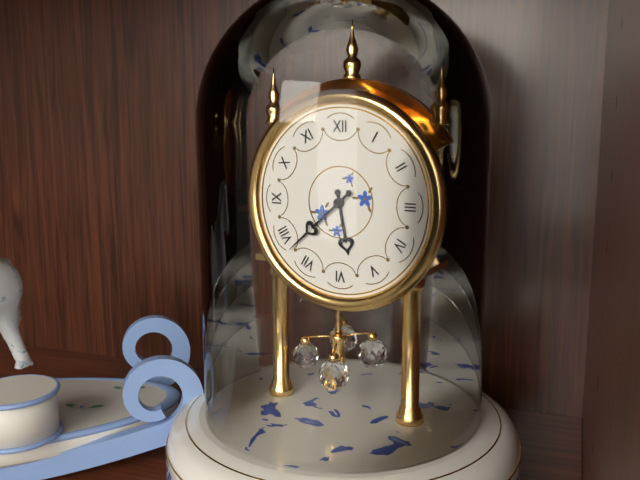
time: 5:38
